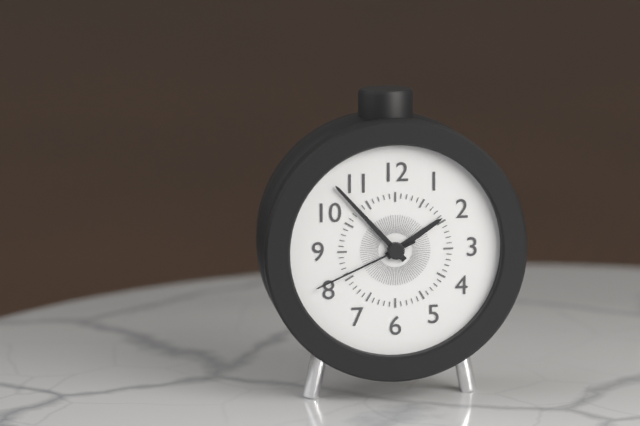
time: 1:53:41
